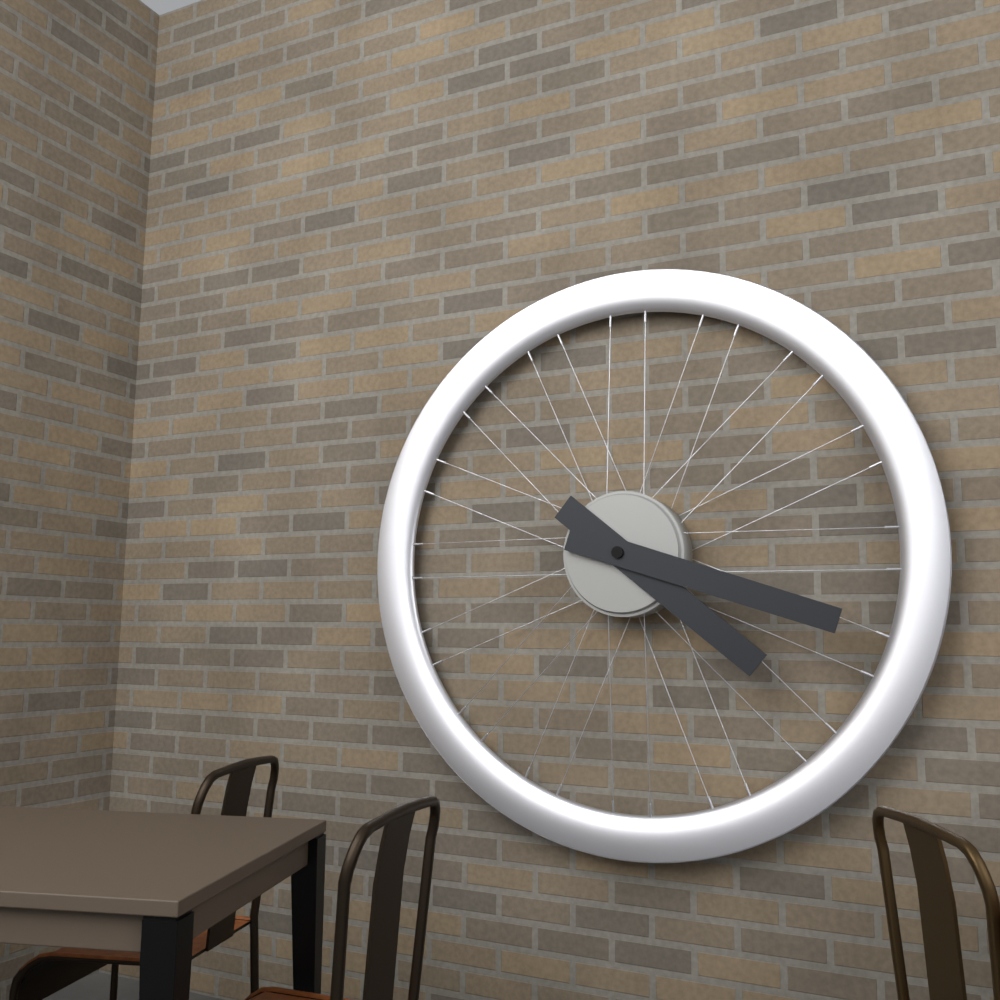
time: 4:18
